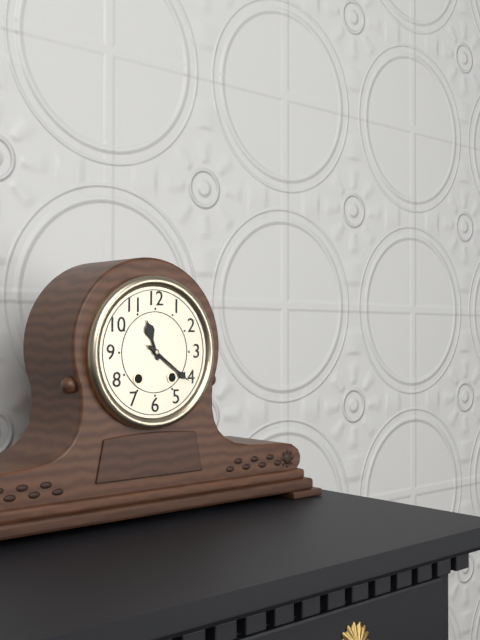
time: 11:21
